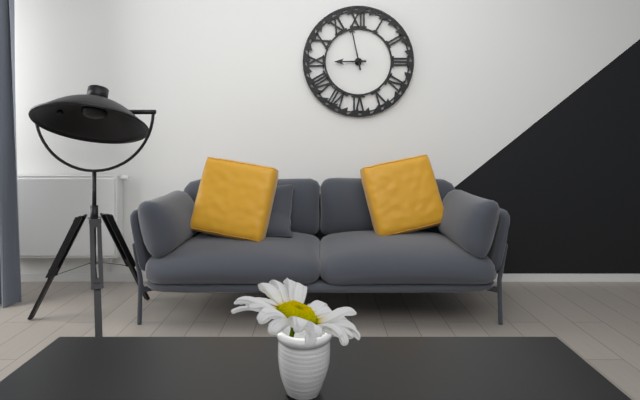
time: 8:58
